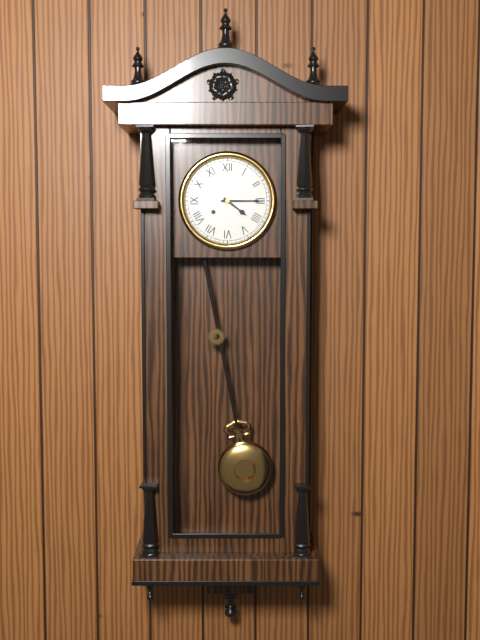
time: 4:15
